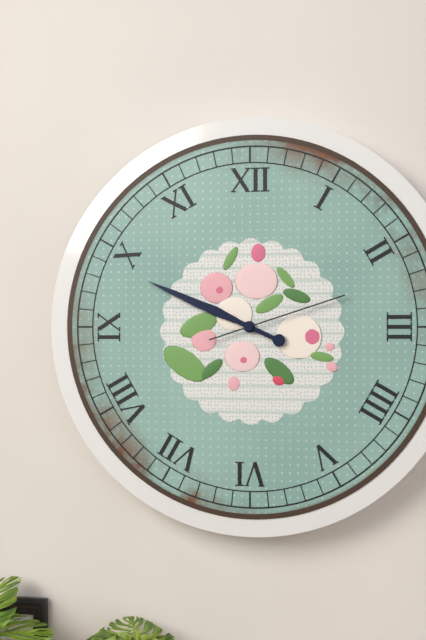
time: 9:49:12
